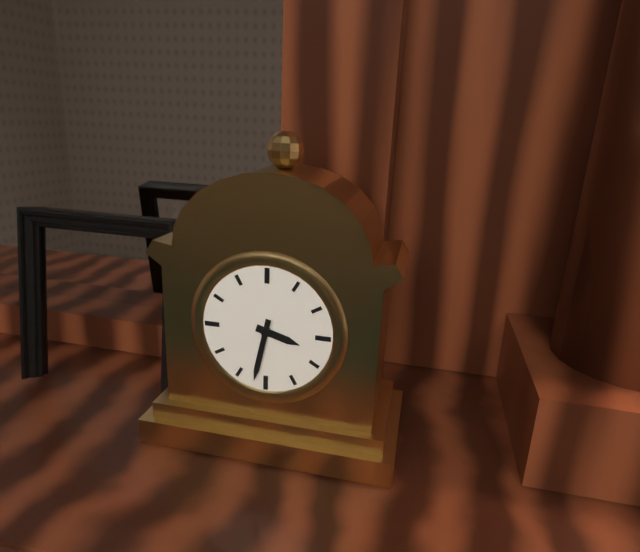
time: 3:32
